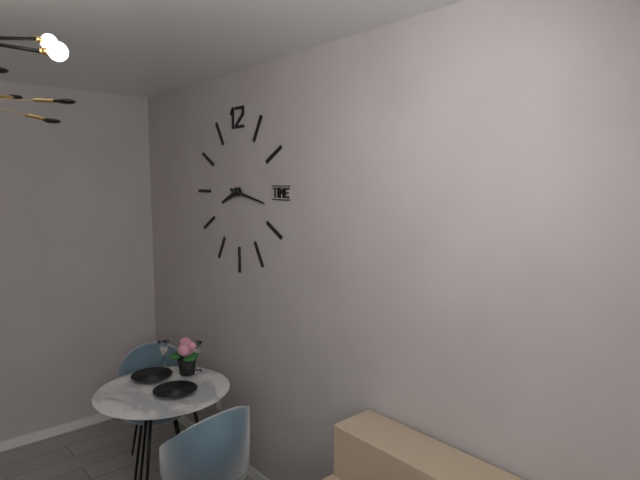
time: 8:17
